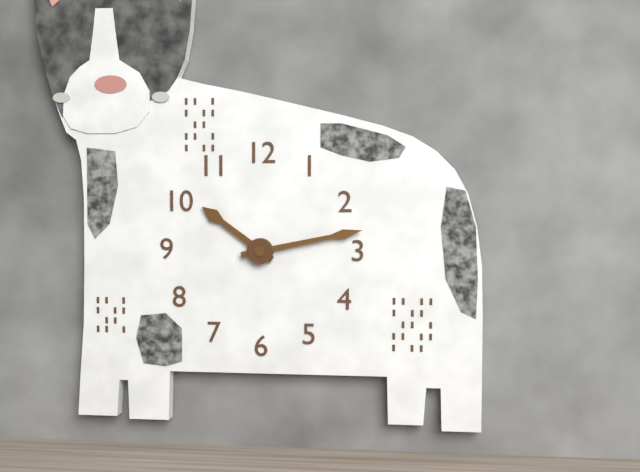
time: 10:13
